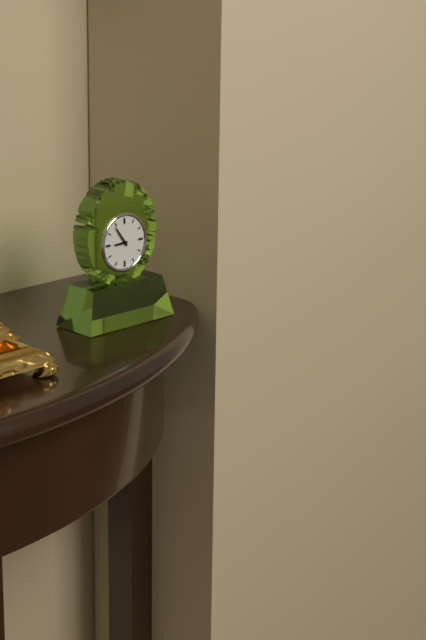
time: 8:54
